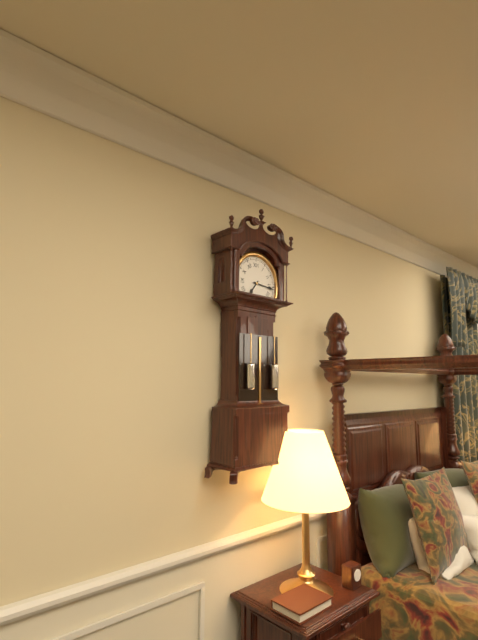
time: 7:16
